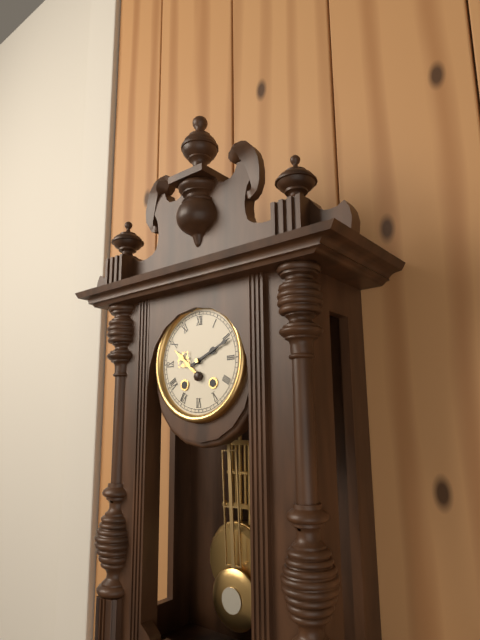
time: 2:11
